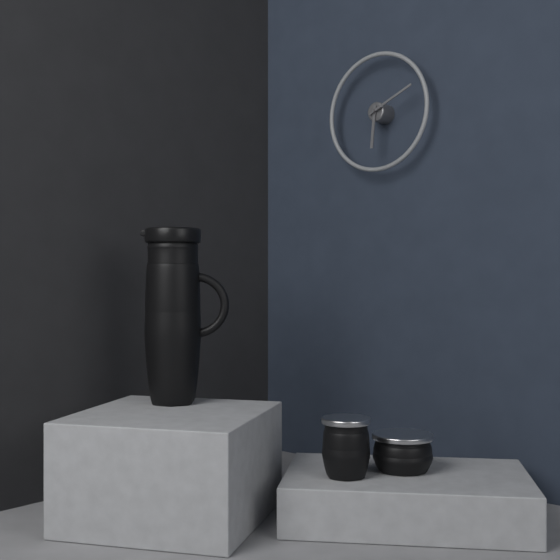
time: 6:11
